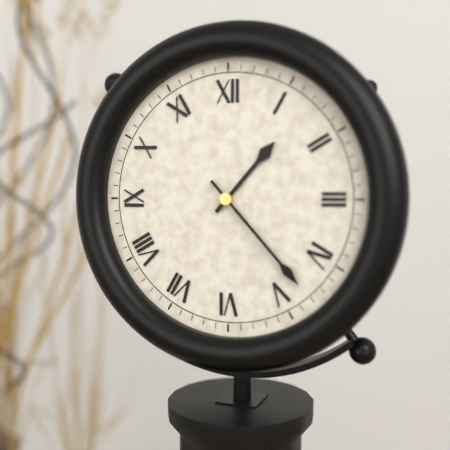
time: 1:23
